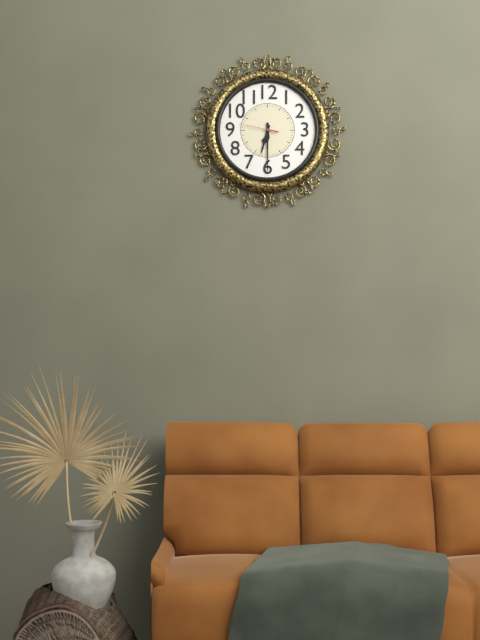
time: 6:30
